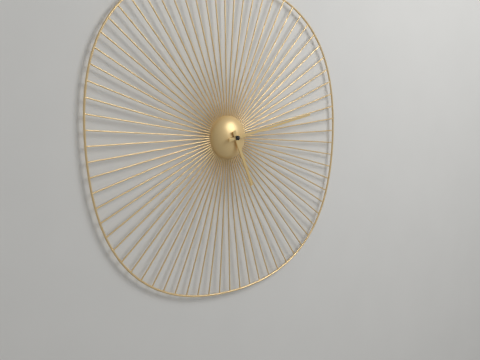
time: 5:13
